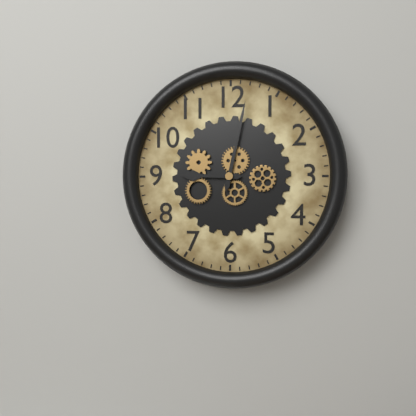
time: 9:02
